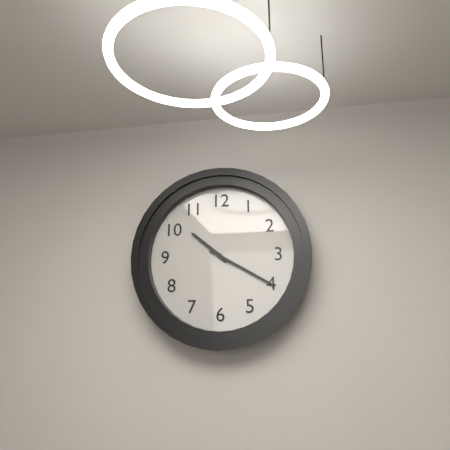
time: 10:20
